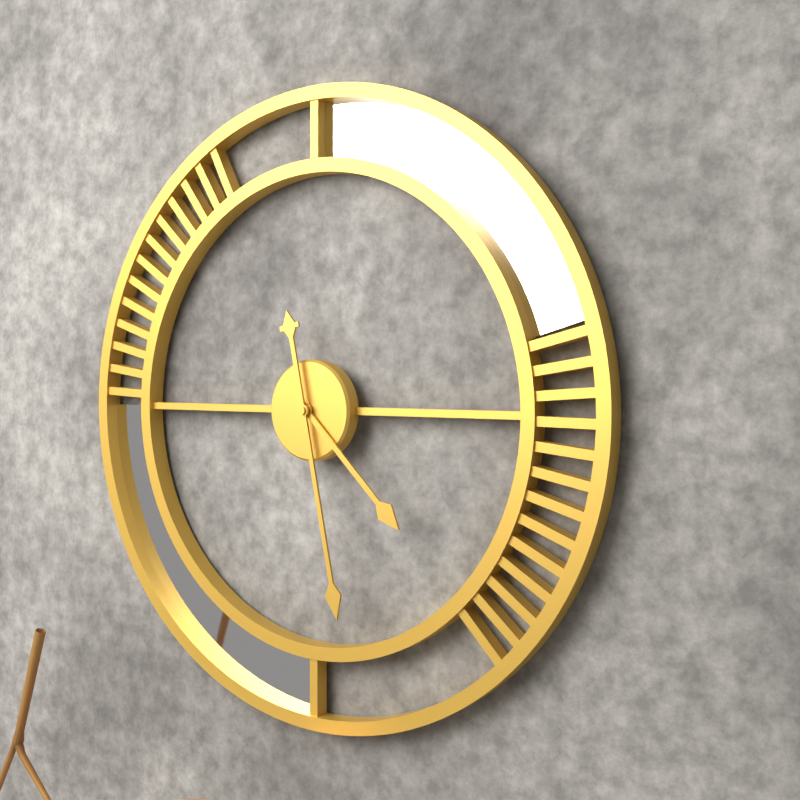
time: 4:28
